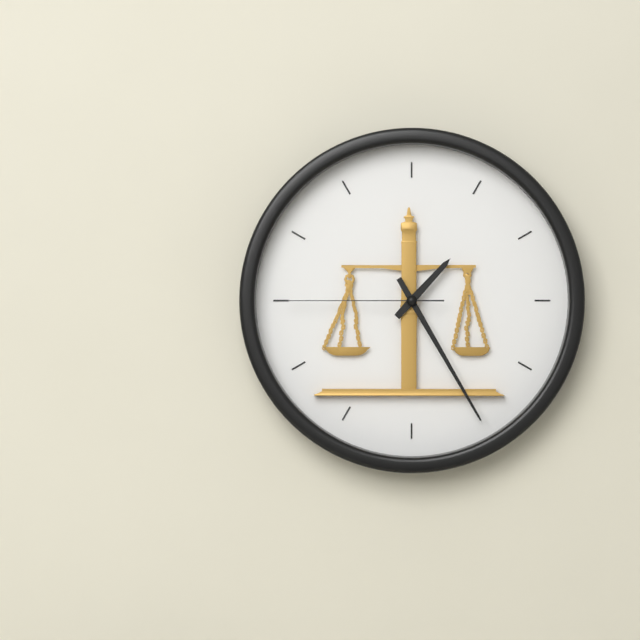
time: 1:25:45
